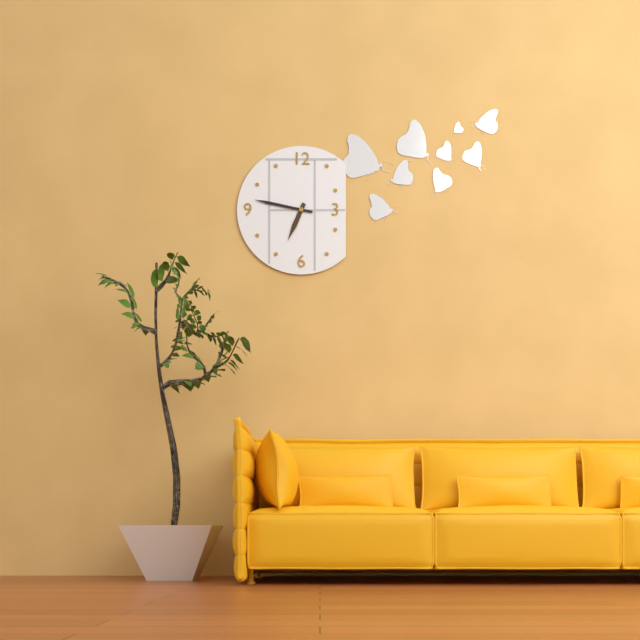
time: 6:47
